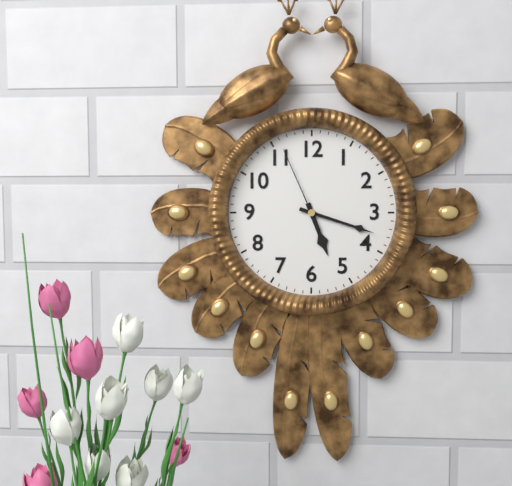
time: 5:18:56
